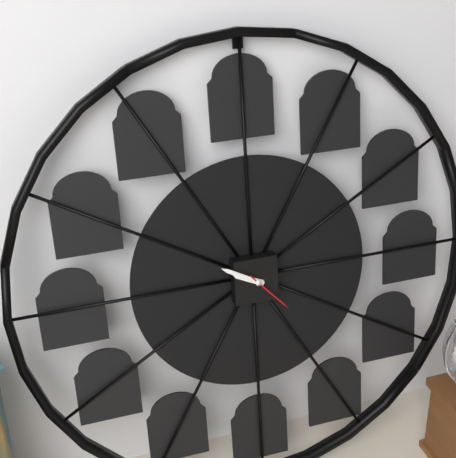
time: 9:50:23
